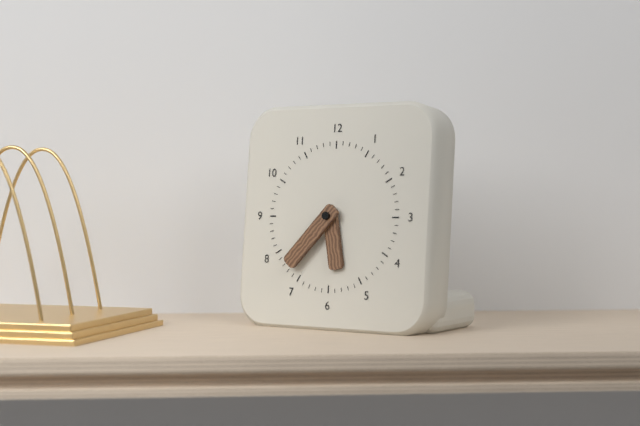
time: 5:37
